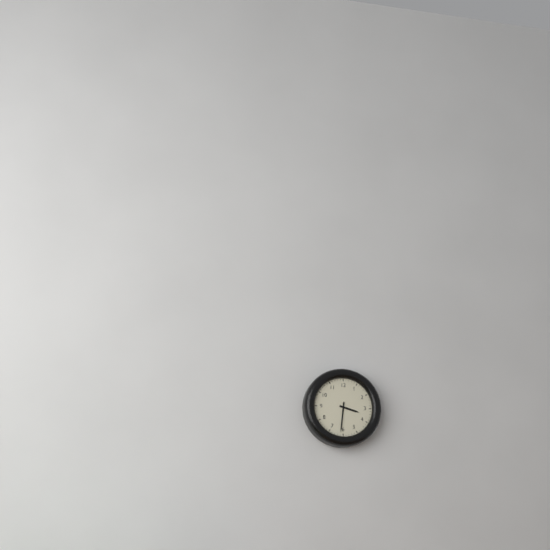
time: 3:31
